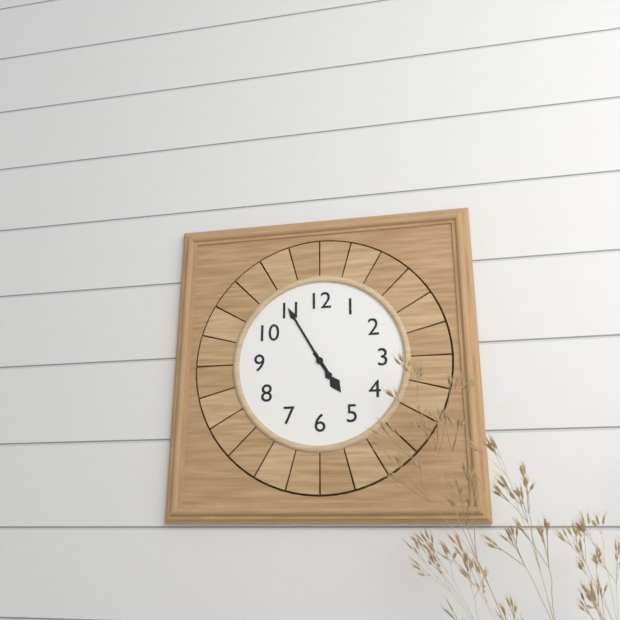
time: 4:55
